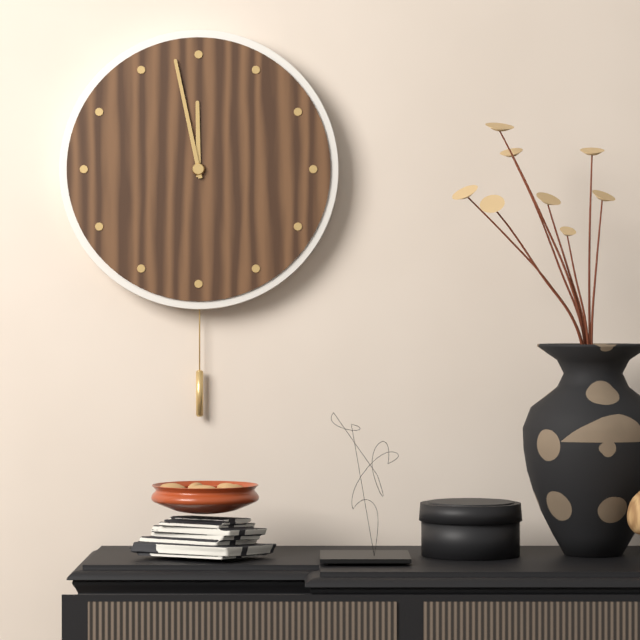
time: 11:58
